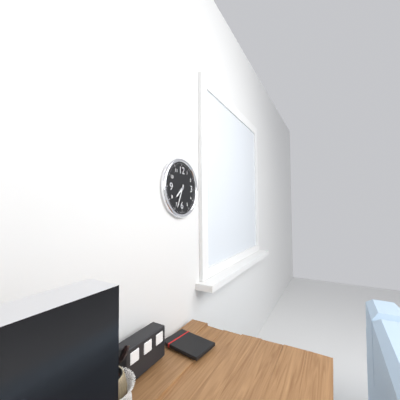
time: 7:34
